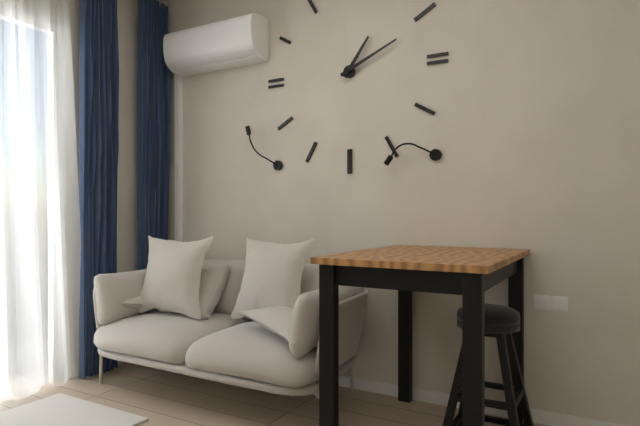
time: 1:11
